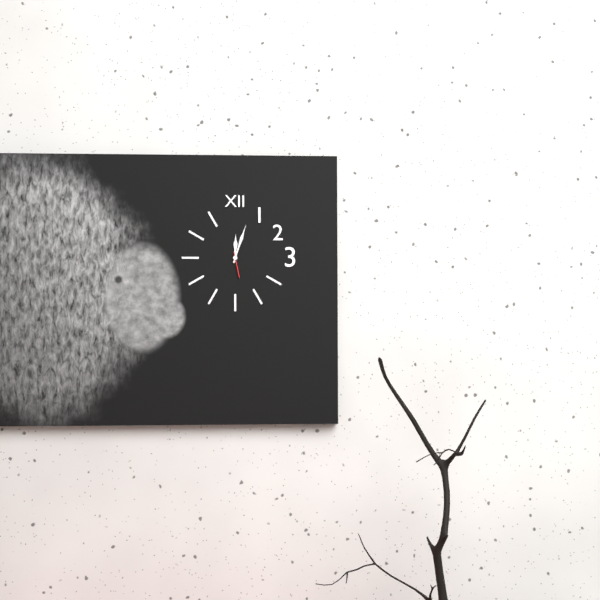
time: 12:03
